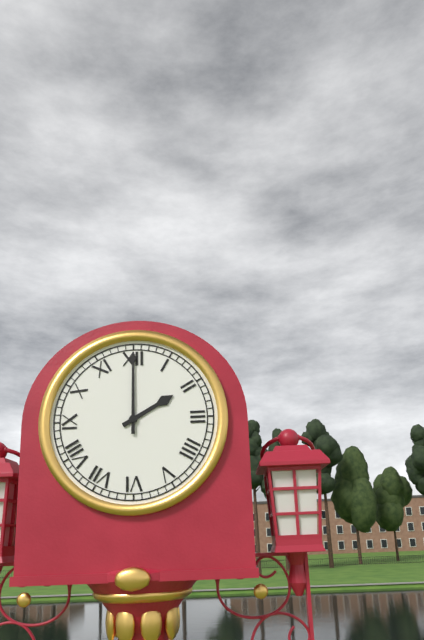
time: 2:00
